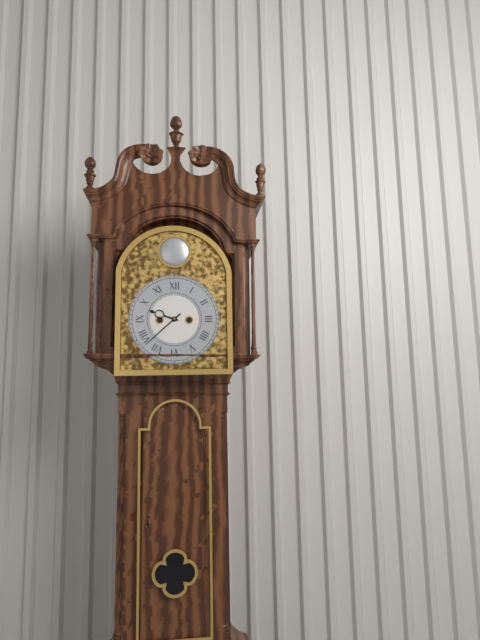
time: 9:38
